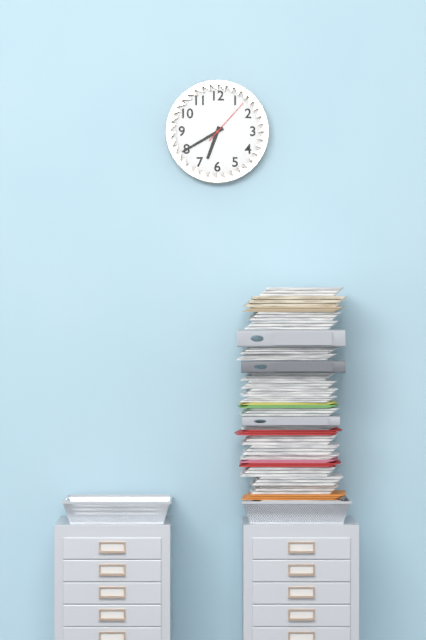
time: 6:40
